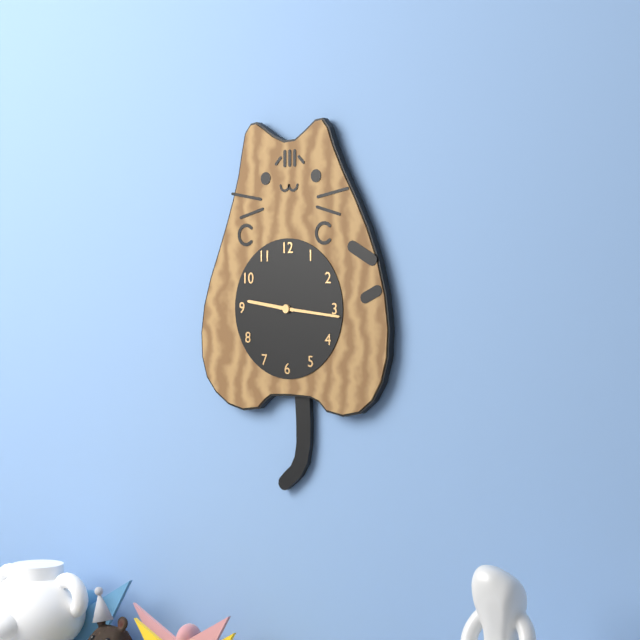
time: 9:16
